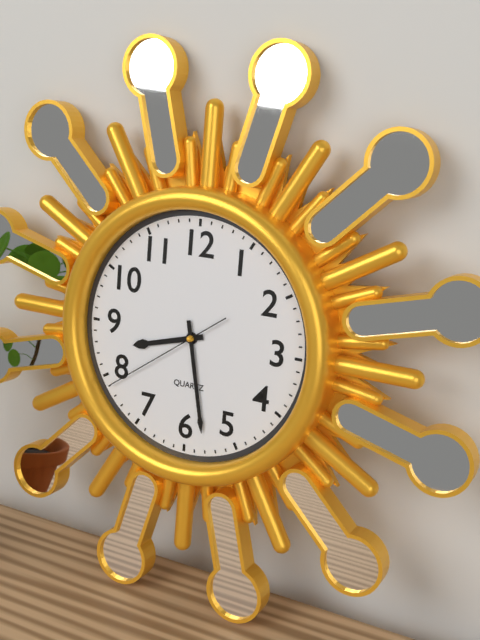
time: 8:28:39
